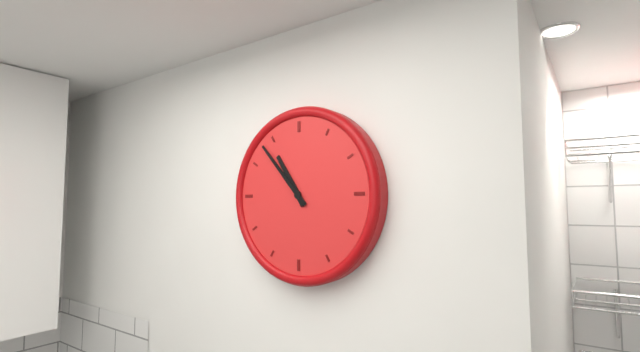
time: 10:53
